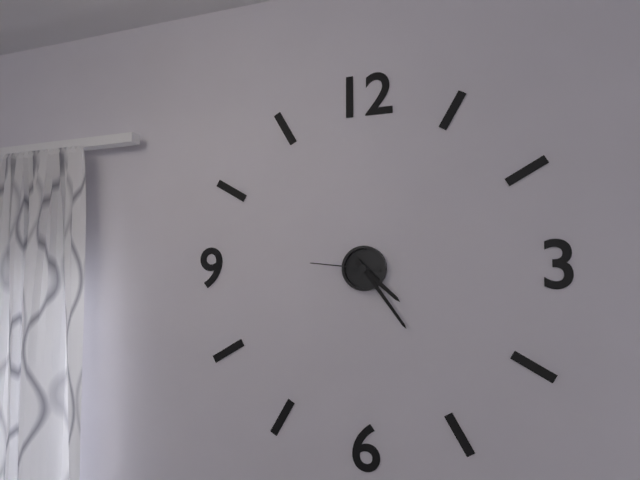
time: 4:24:46
